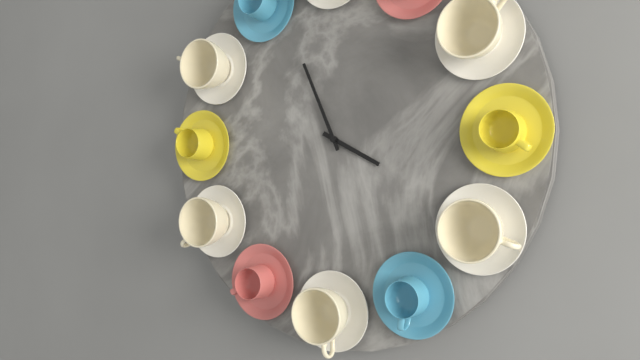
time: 3:56
